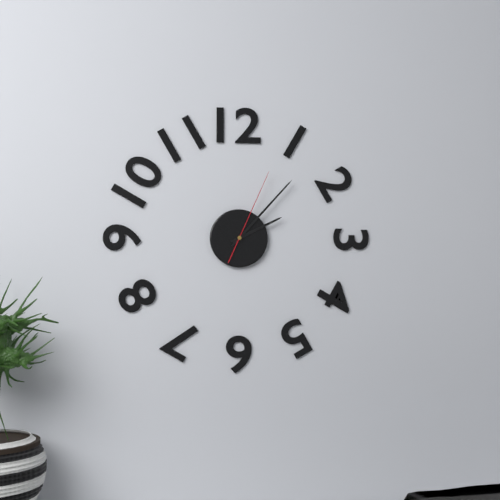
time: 2:07:04
